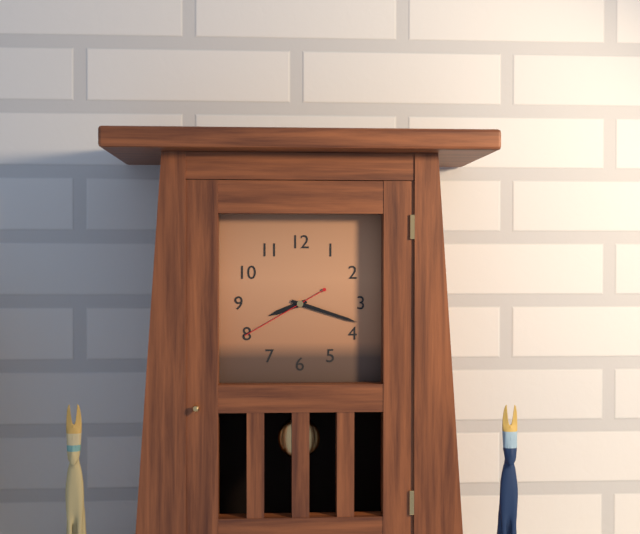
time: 8:18:40
